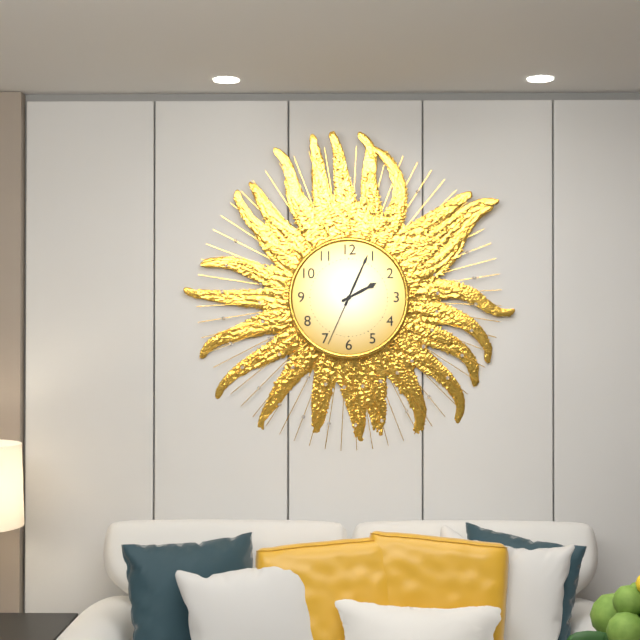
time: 2:04:34
